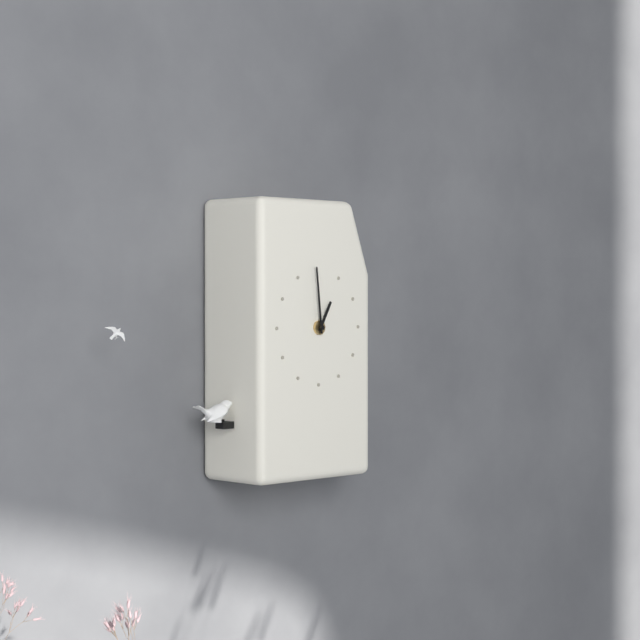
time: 12:59
